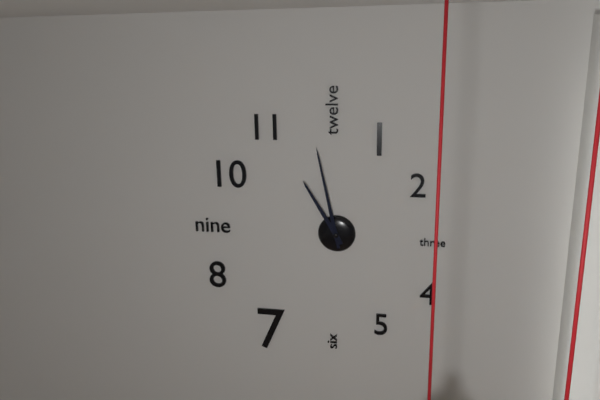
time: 10:58
